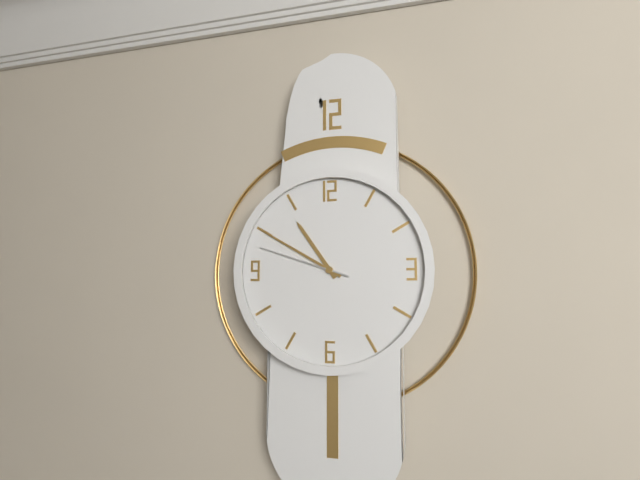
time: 10:50:48
